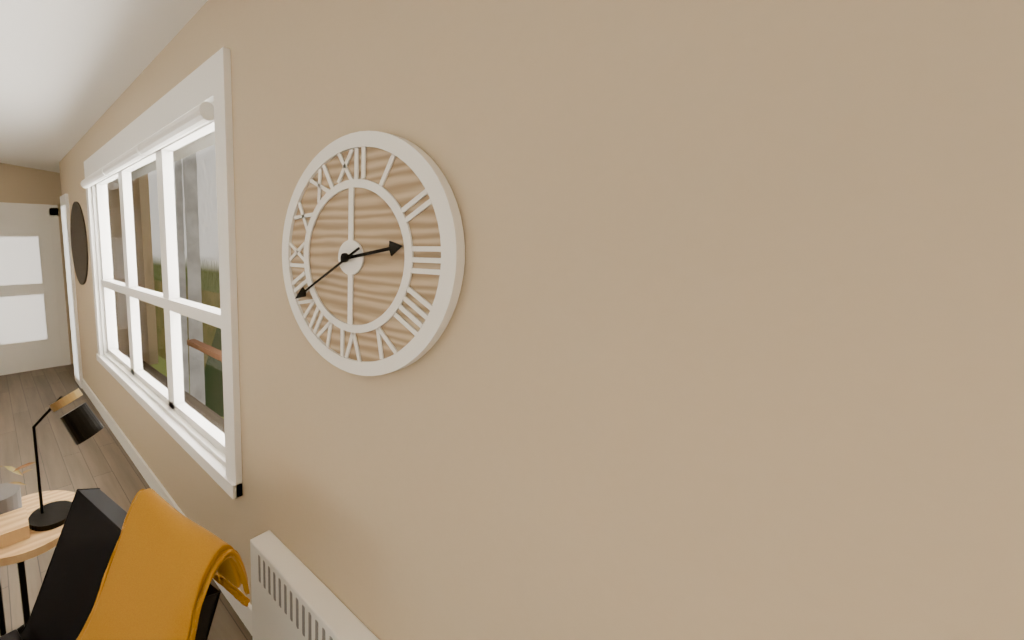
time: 2:40
